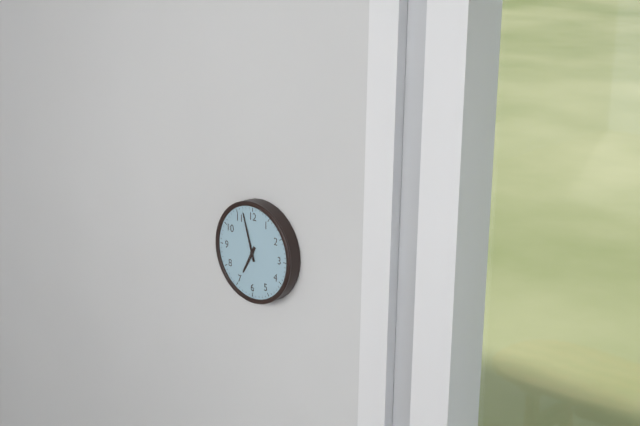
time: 6:57
